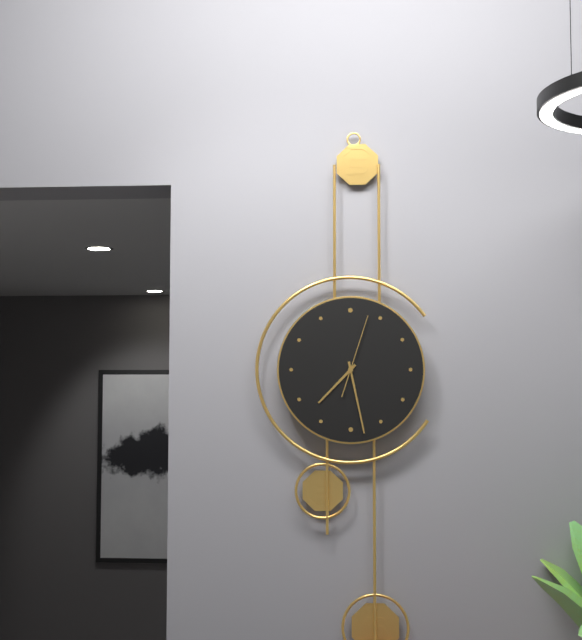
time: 7:28:03
